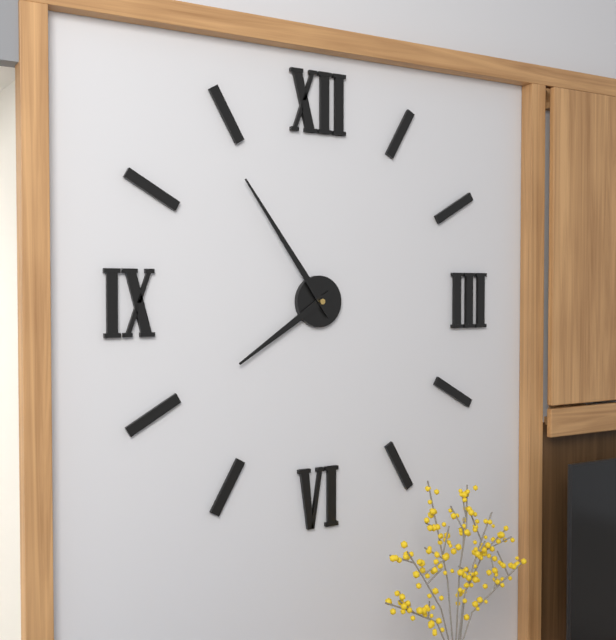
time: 7:54
